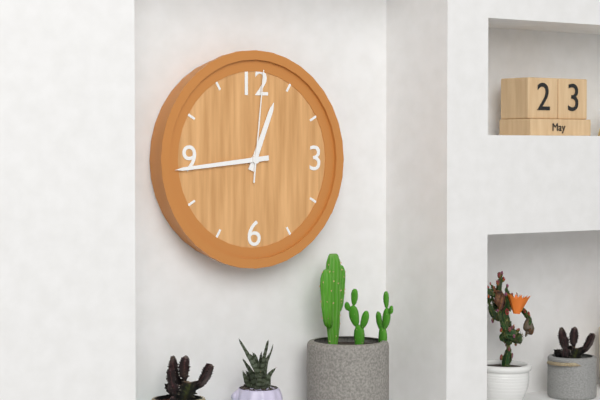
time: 12:44:01
